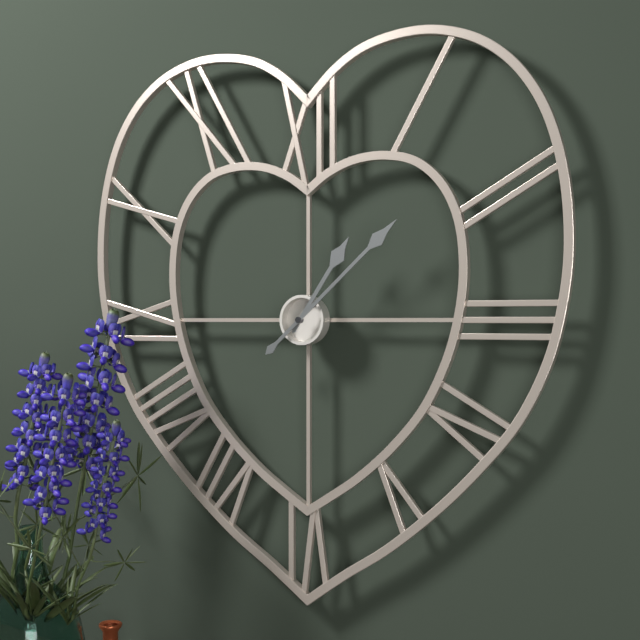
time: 1:08
